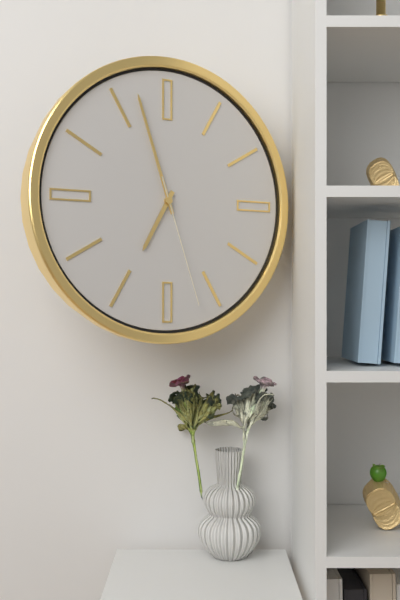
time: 6:57:27
